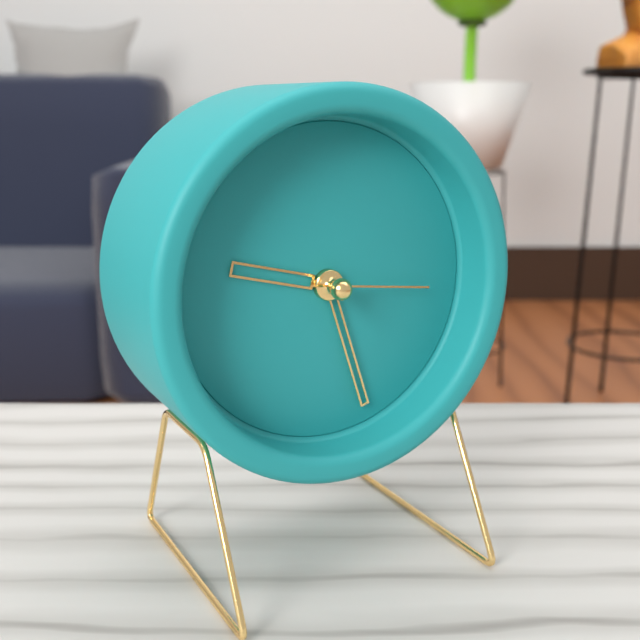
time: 9:27:16
